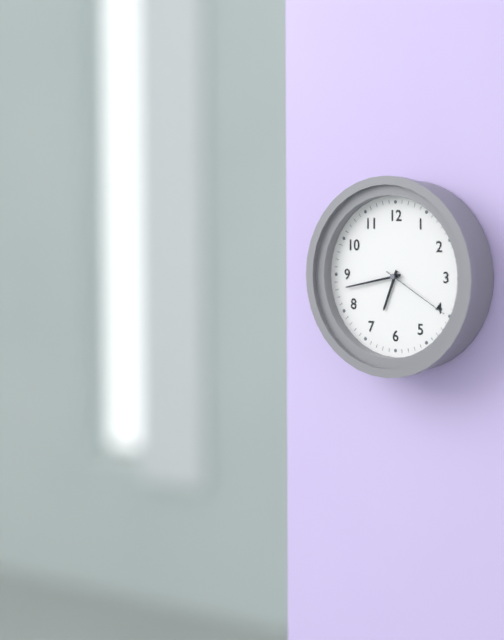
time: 6:43:20
